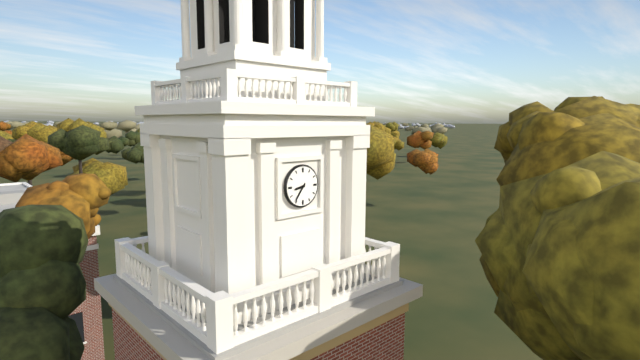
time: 8:36
